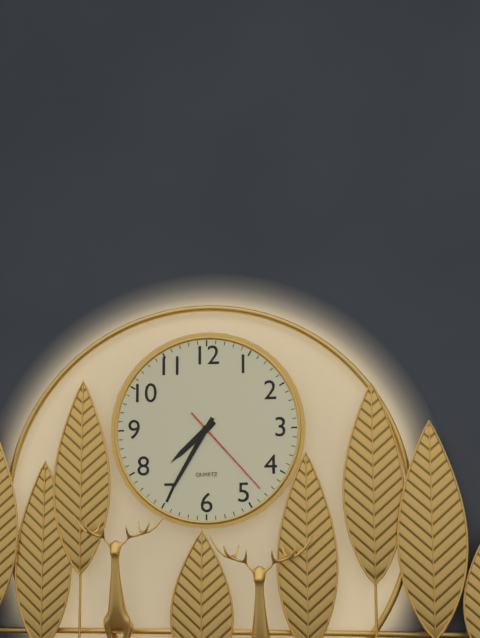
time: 7:35:23
